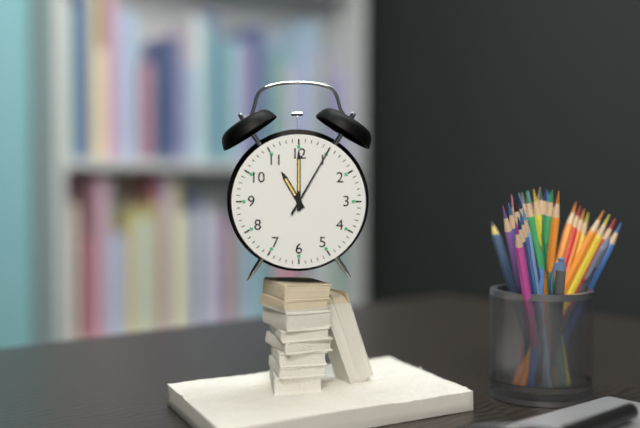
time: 11:00:05
